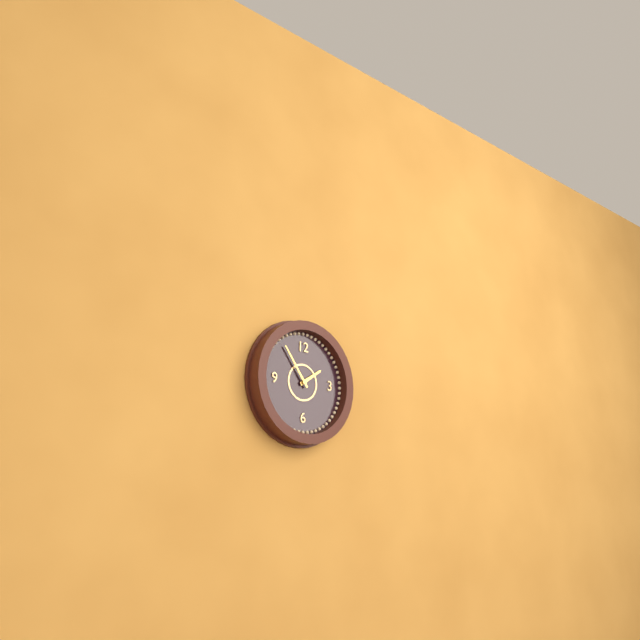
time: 1:54
